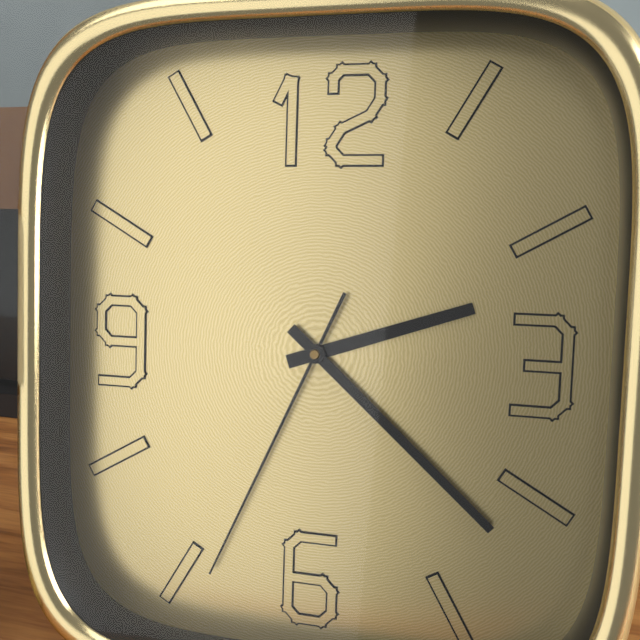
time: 2:22:34
